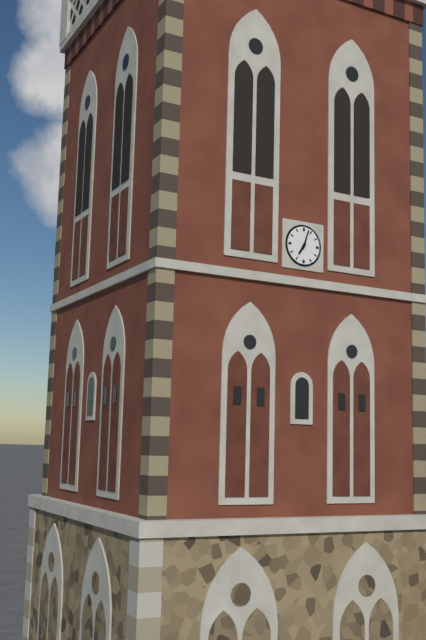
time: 7:03
